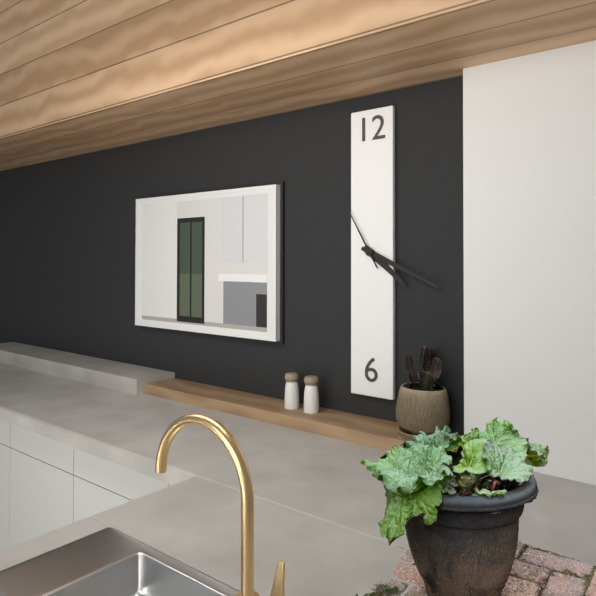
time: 4:19:55
